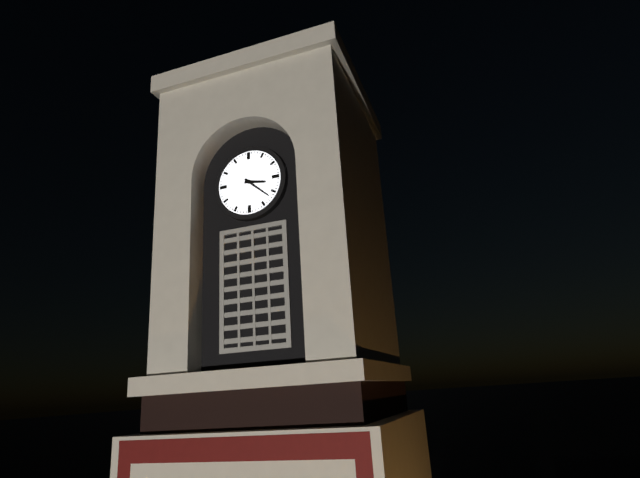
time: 3:22
